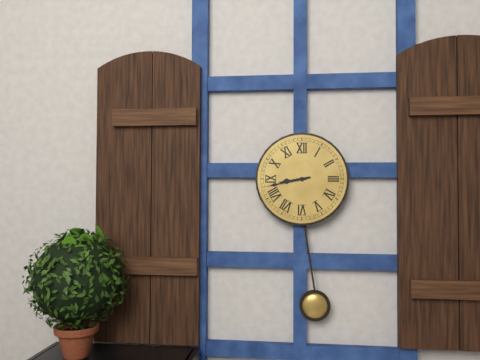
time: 8:43
